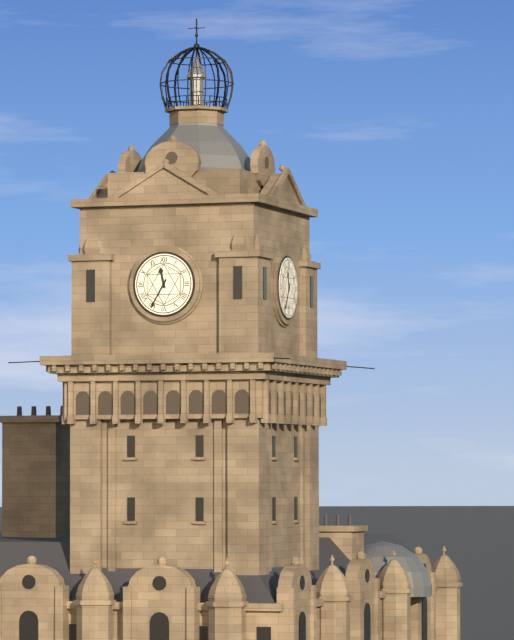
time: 11:35
